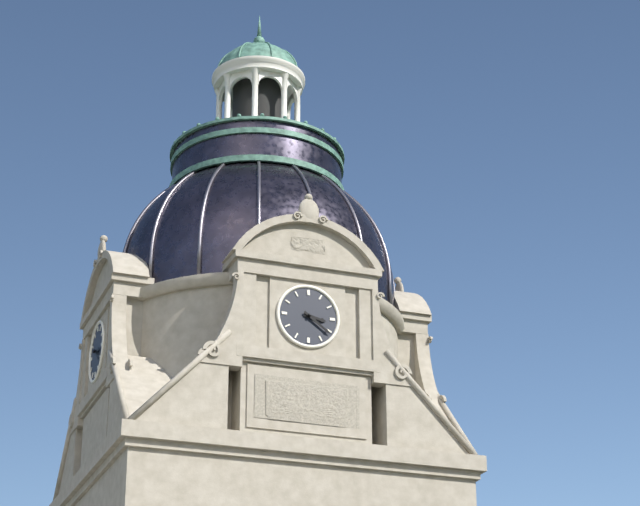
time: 3:21
